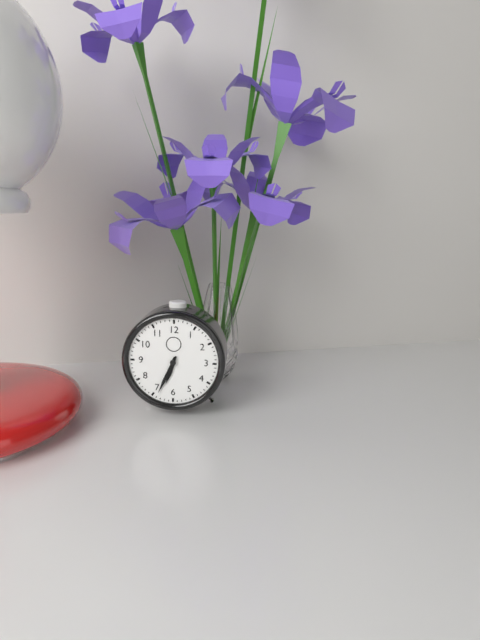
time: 6:34
